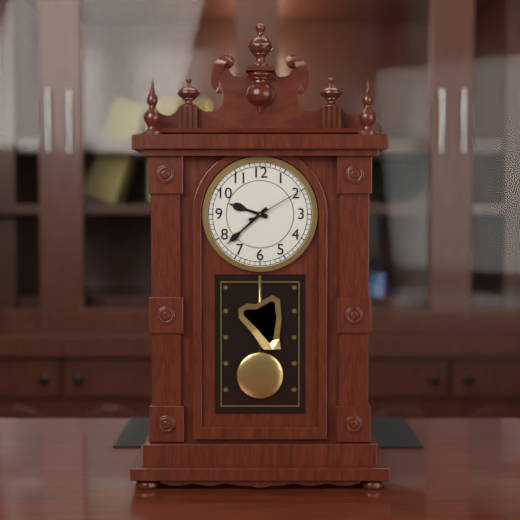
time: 9:38:10
